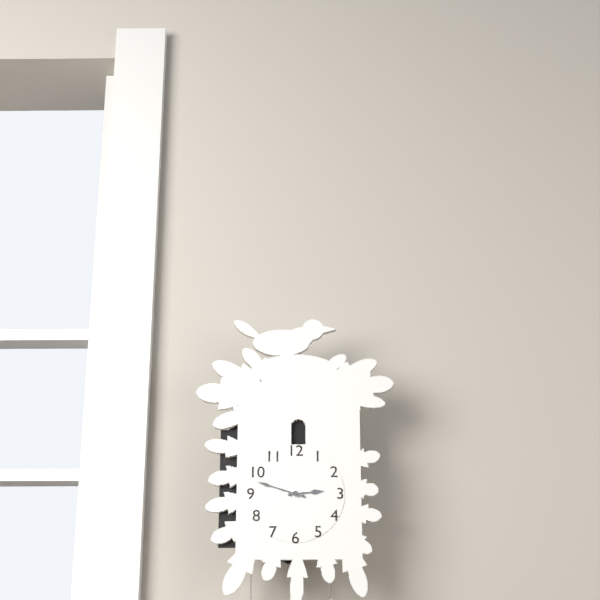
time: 2:48
